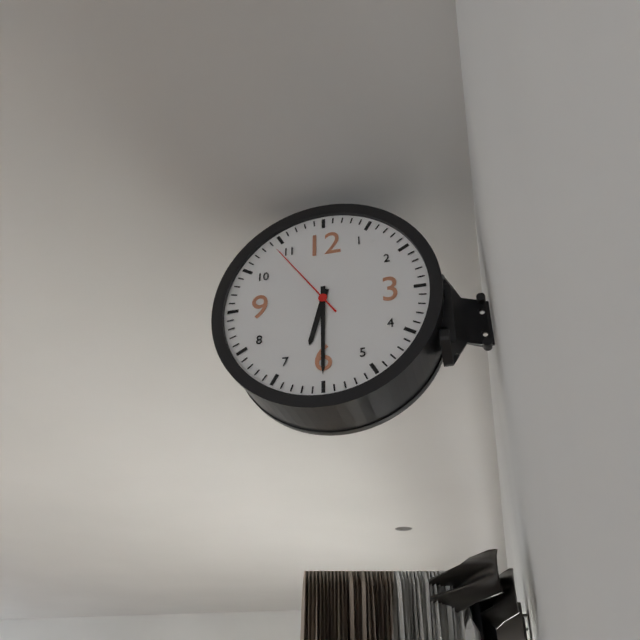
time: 6:30:54
